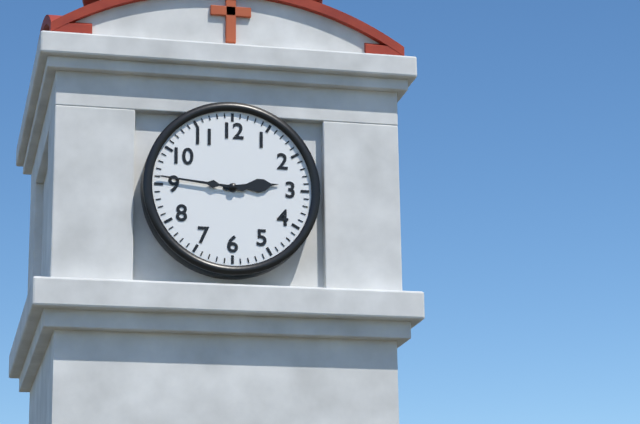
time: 2:46
